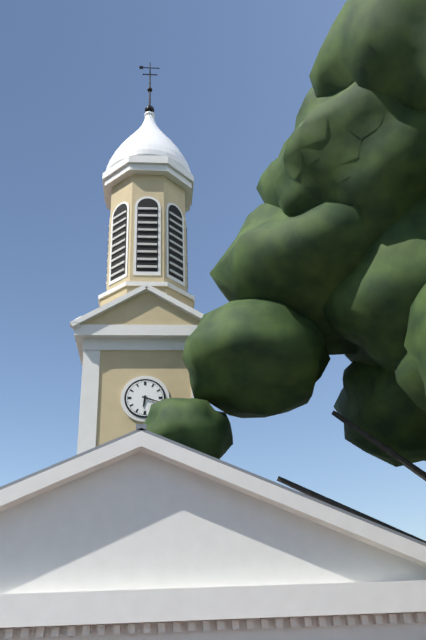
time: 6:18
